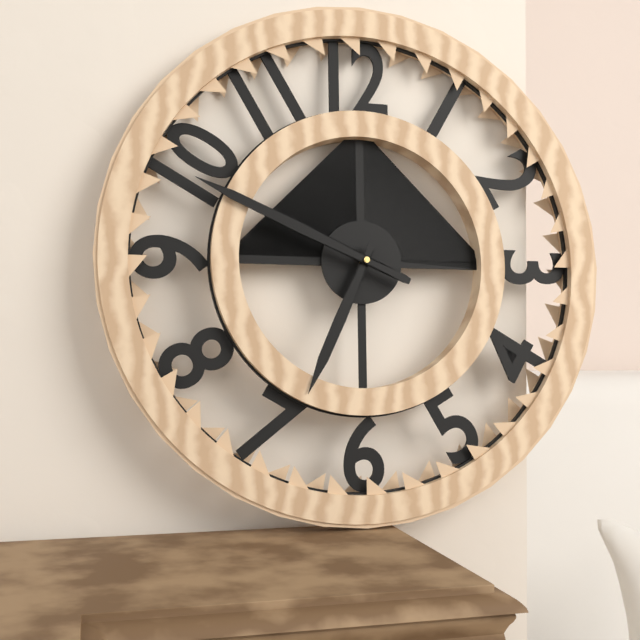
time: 6:49
